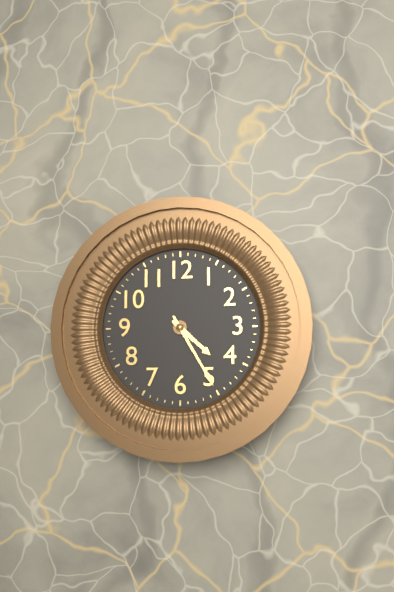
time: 4:25
